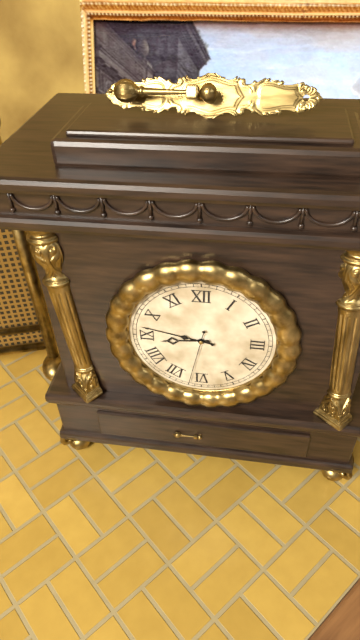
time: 8:47:32
